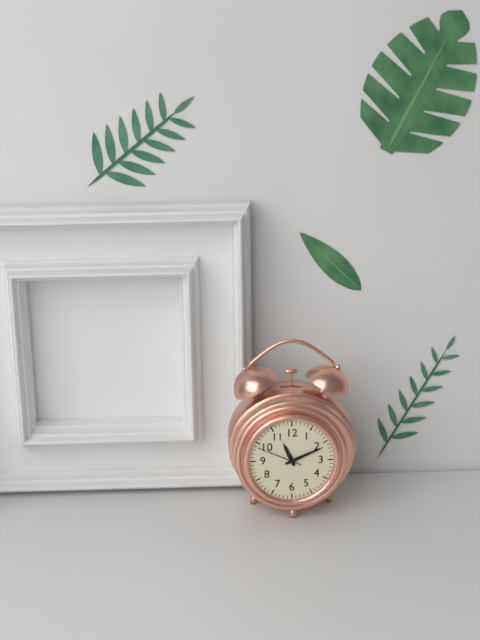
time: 11:11
